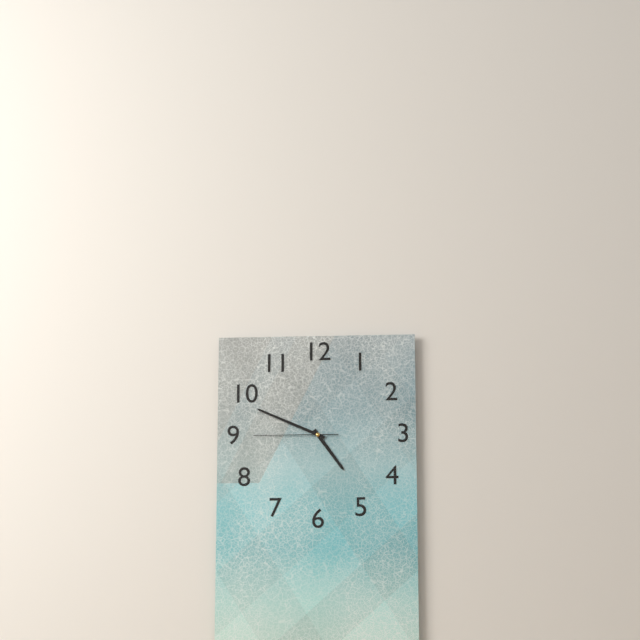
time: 4:49:45
